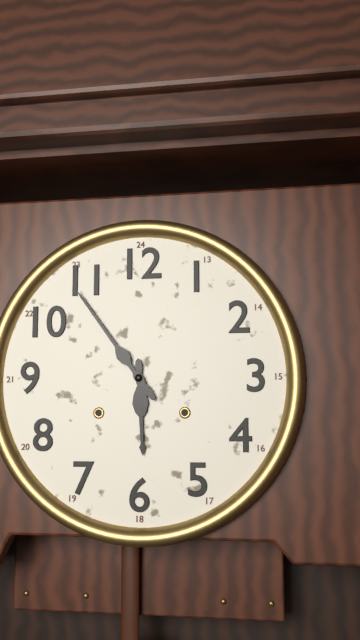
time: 5:54
